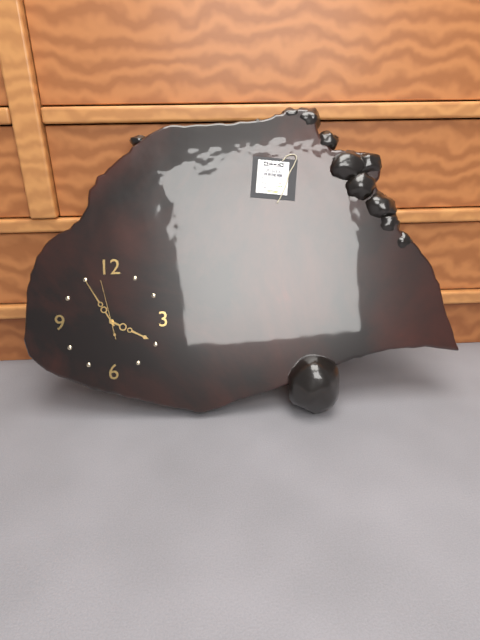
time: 3:55:58
